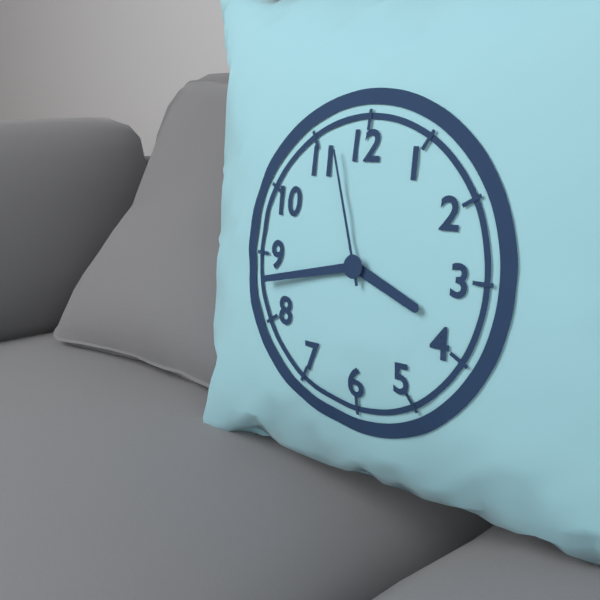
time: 3:43:57
